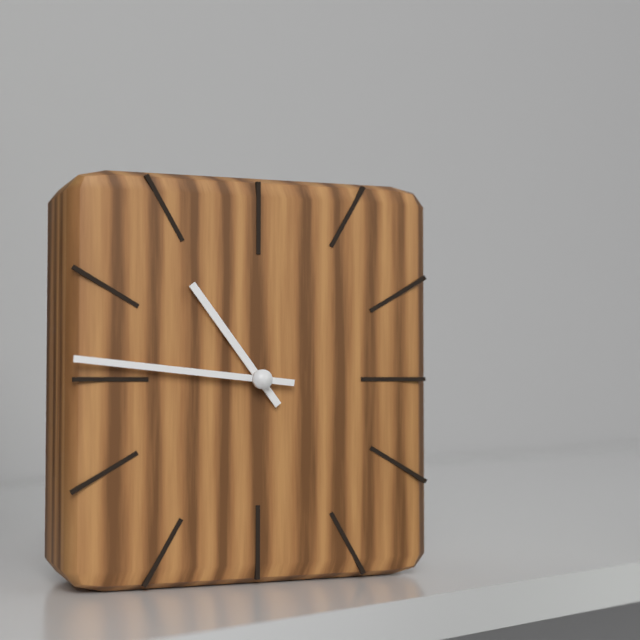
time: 10:46
